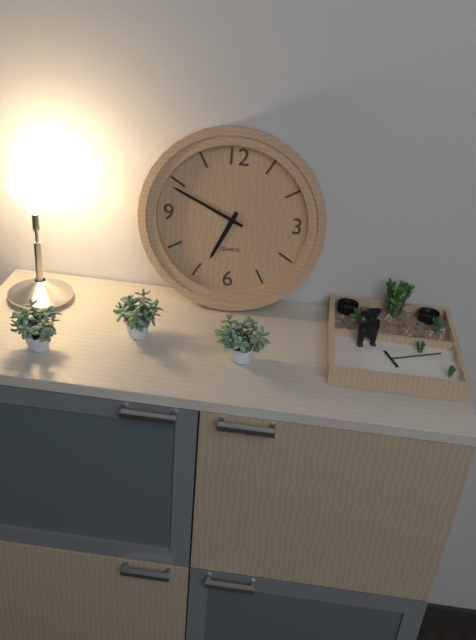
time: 6:49
